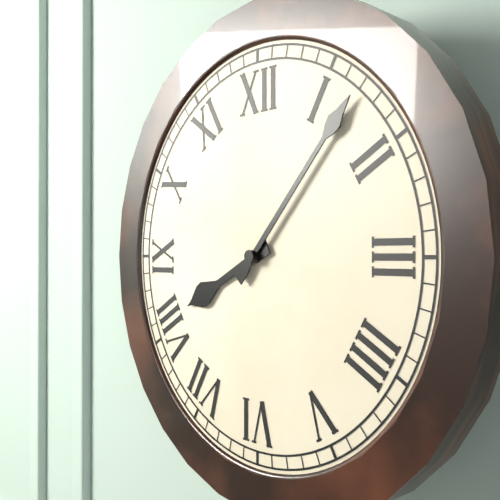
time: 8:07
